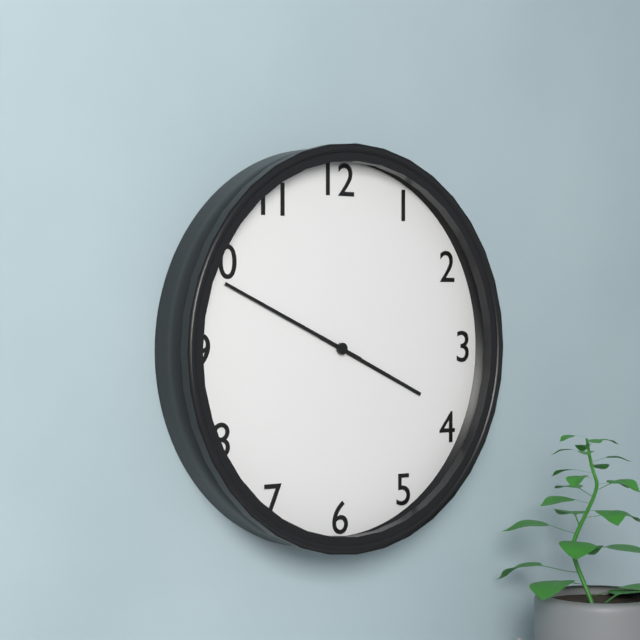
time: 3:49
